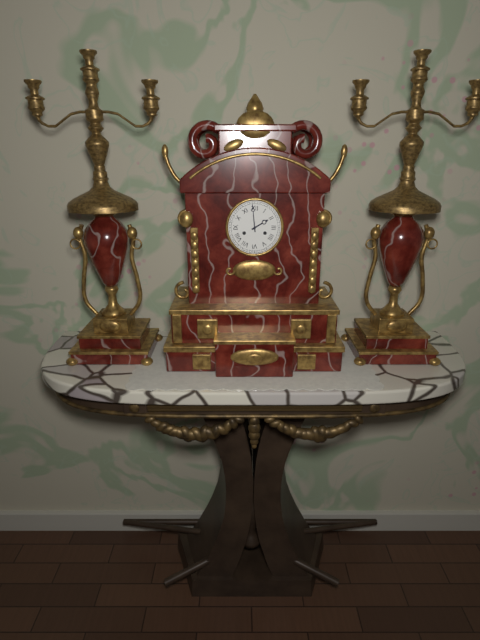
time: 1:59
